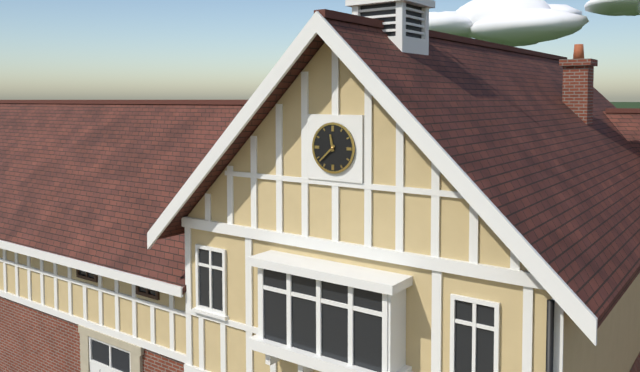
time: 11:38
